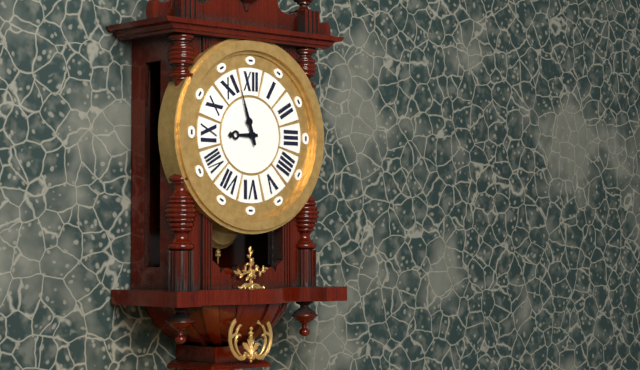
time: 8:57
